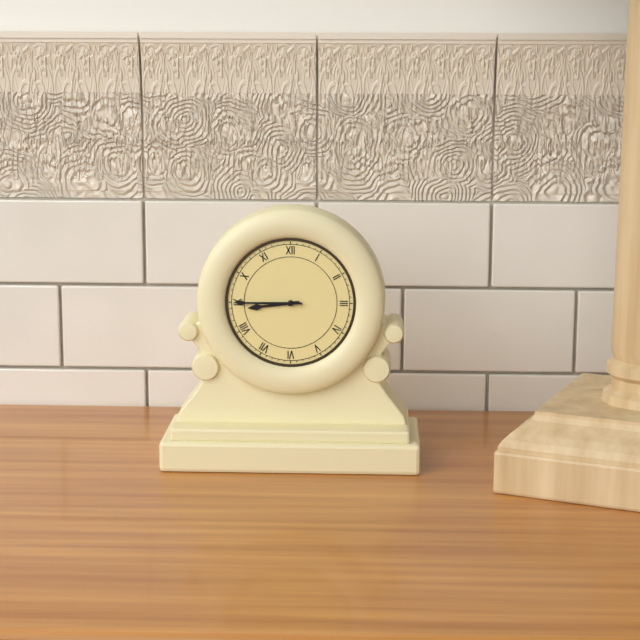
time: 8:45
